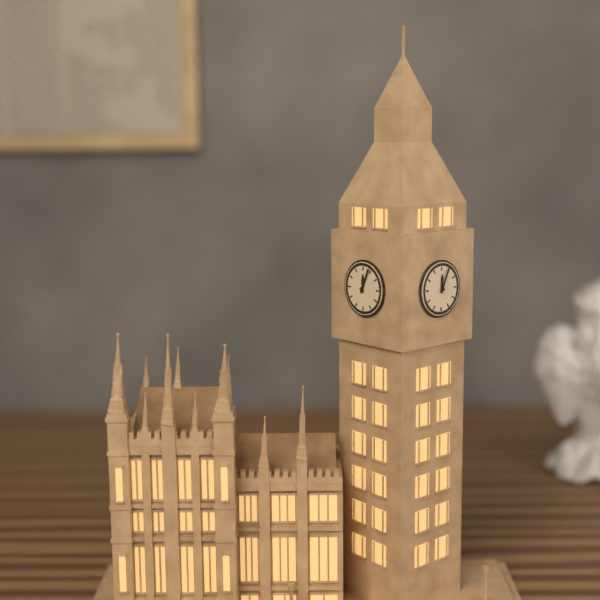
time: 12:04
